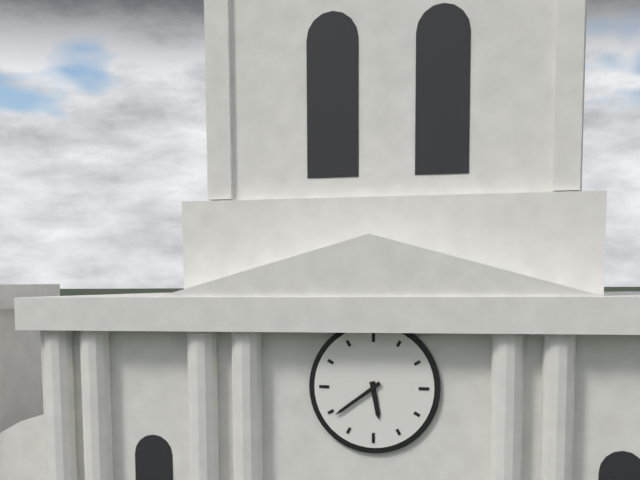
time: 5:39
